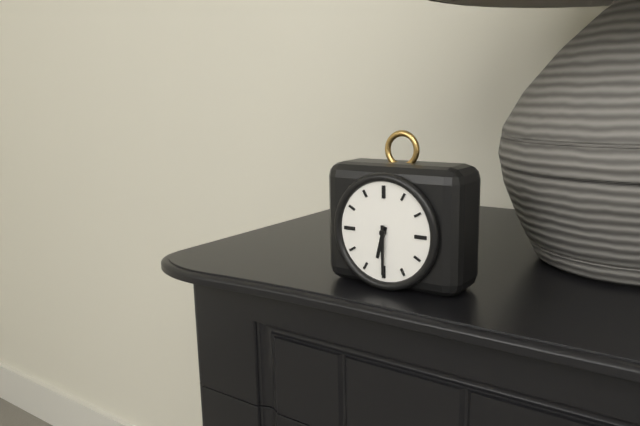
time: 6:30
